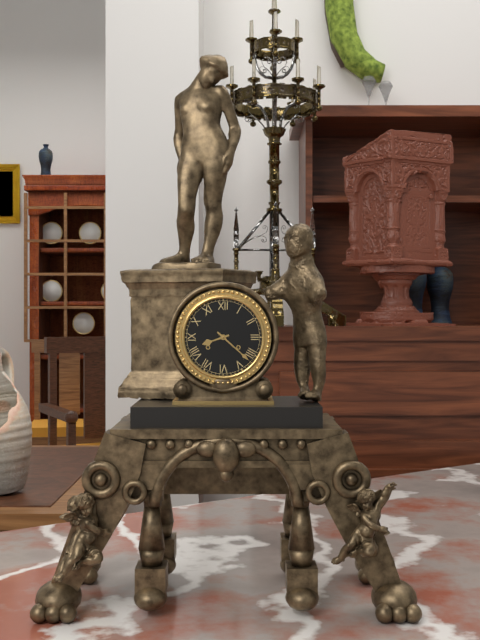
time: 8:22
